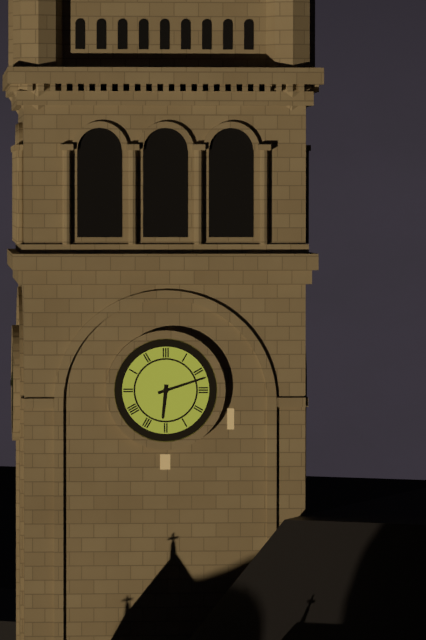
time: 6:12
